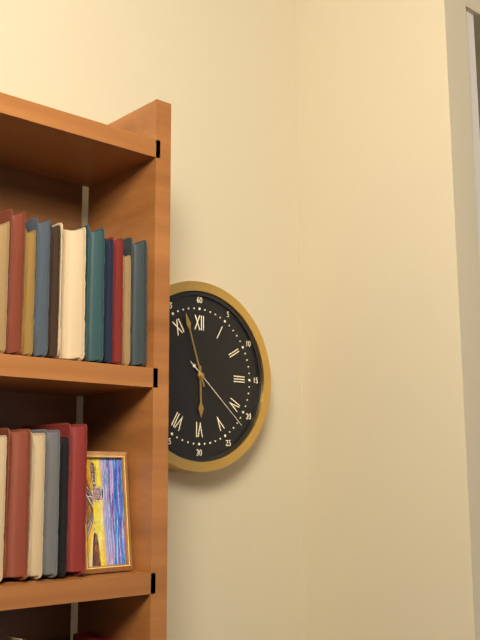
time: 5:57:22
